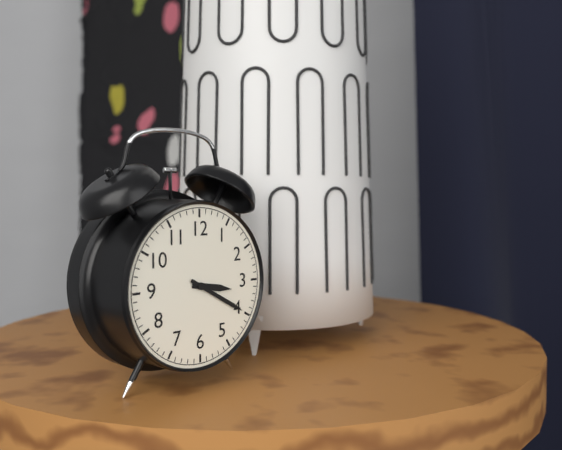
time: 3:20
